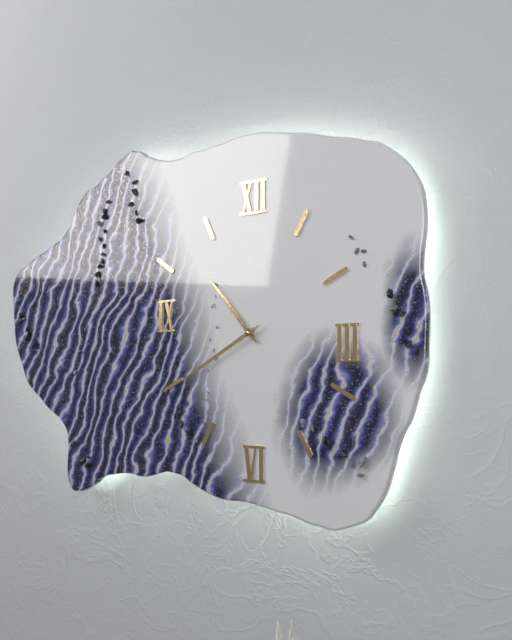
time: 10:40
